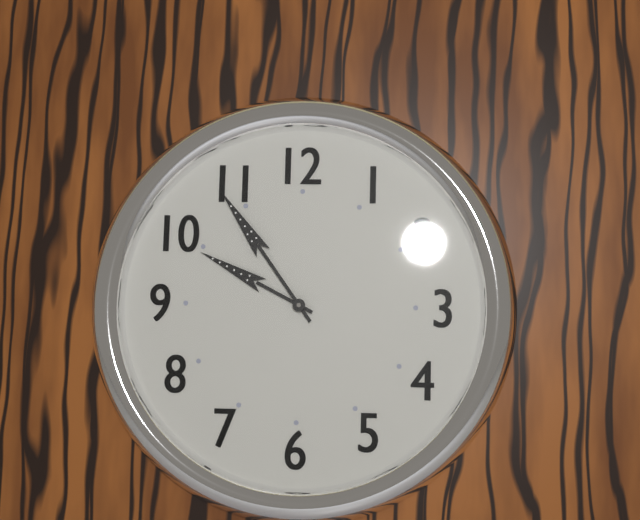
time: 9:54
